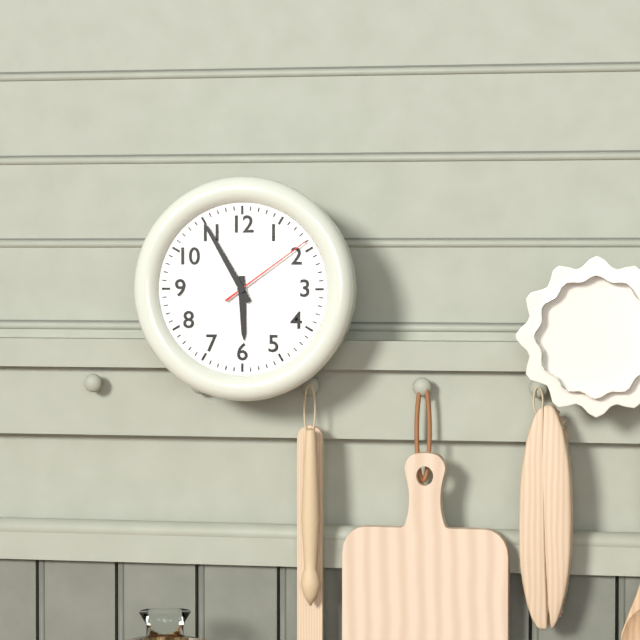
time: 5:55:09
